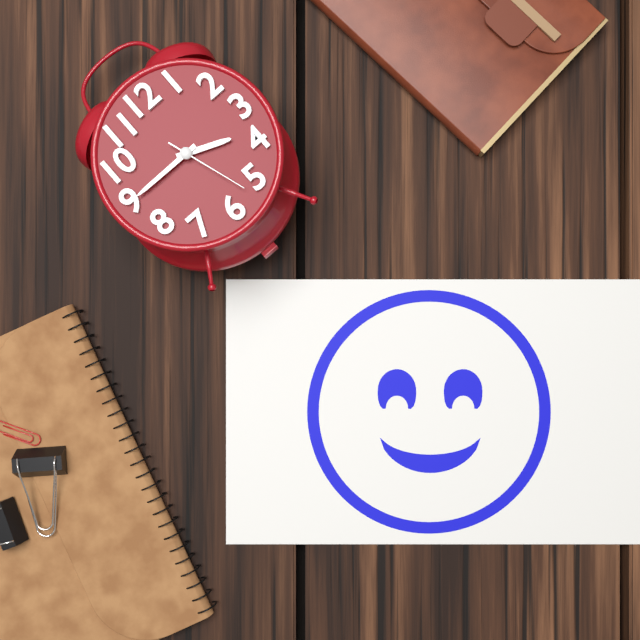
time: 3:45:27
